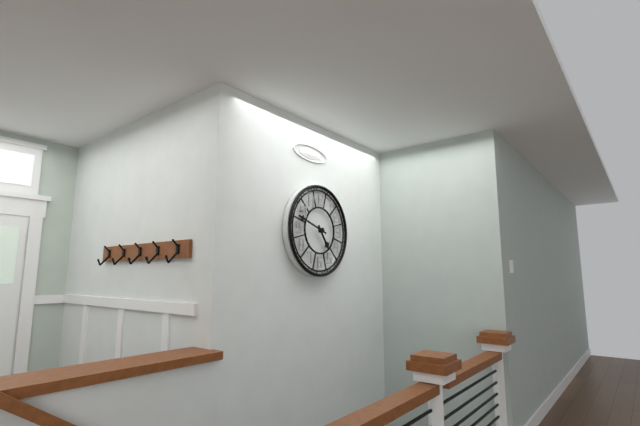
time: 4:48
